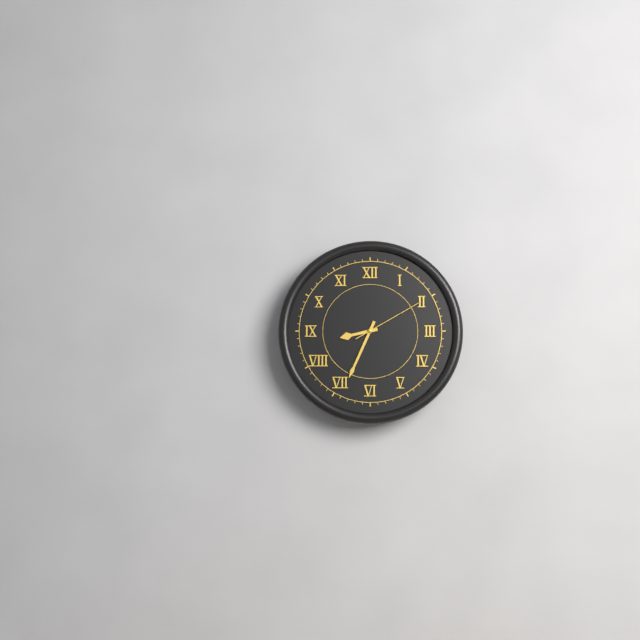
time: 8:34:10
